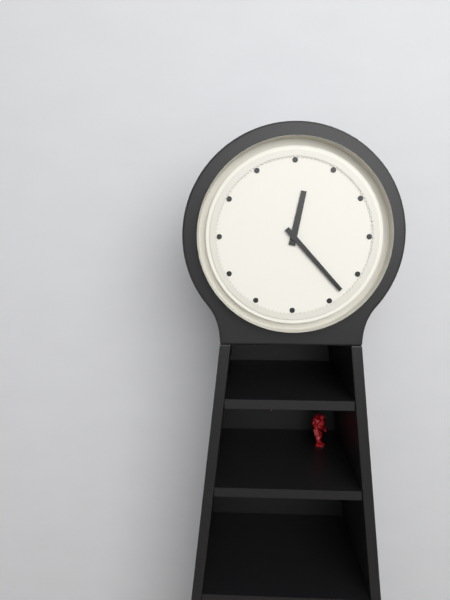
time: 12:23
